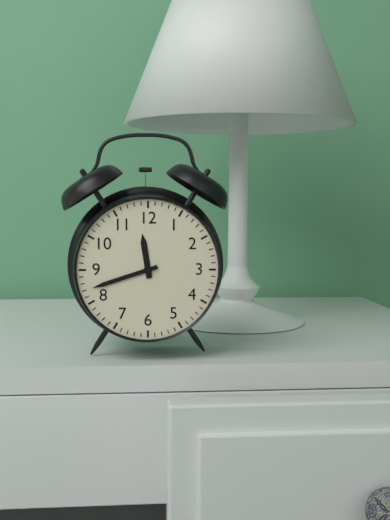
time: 11:42
